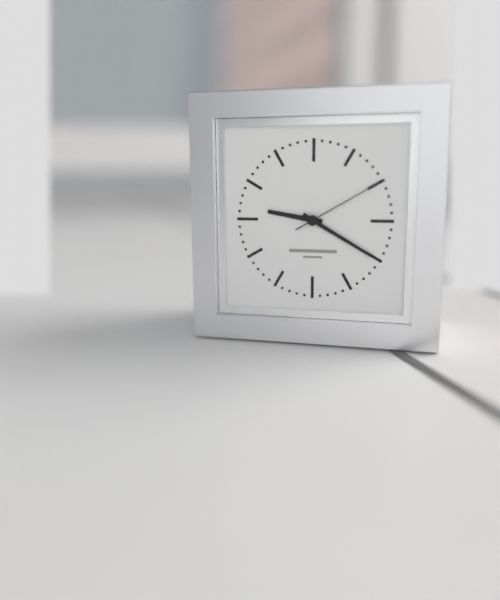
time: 9:20:10
